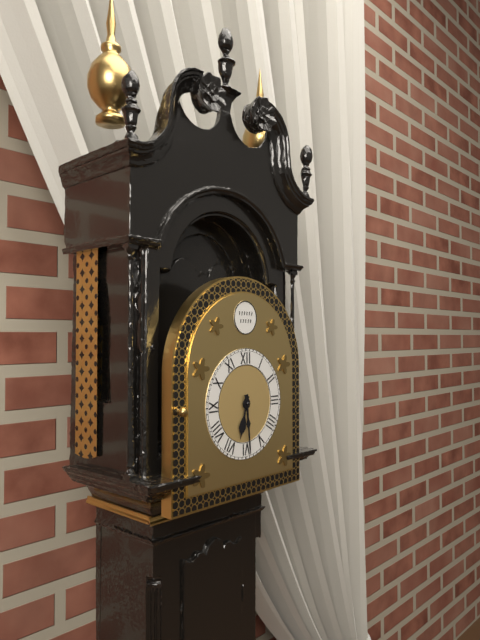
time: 6:29
